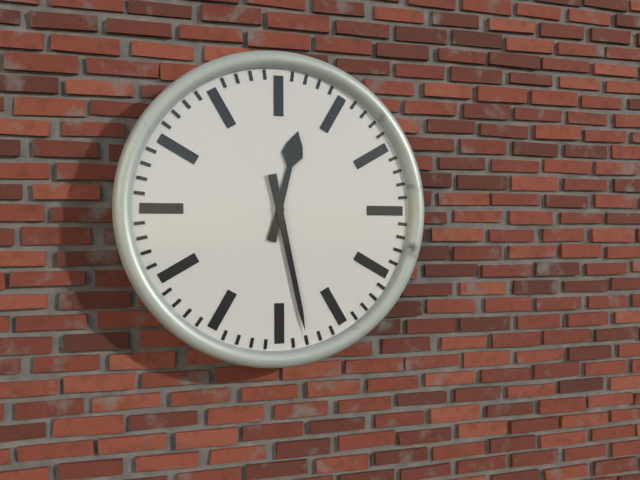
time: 12:28
